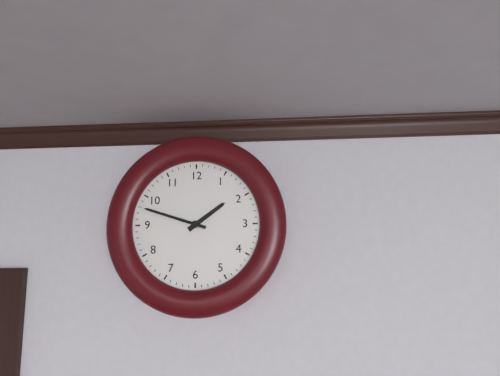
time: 1:48
